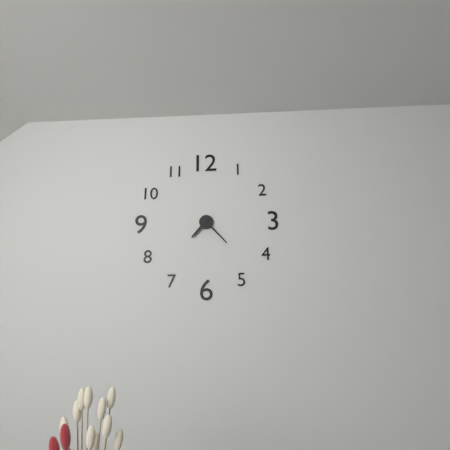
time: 7:23
